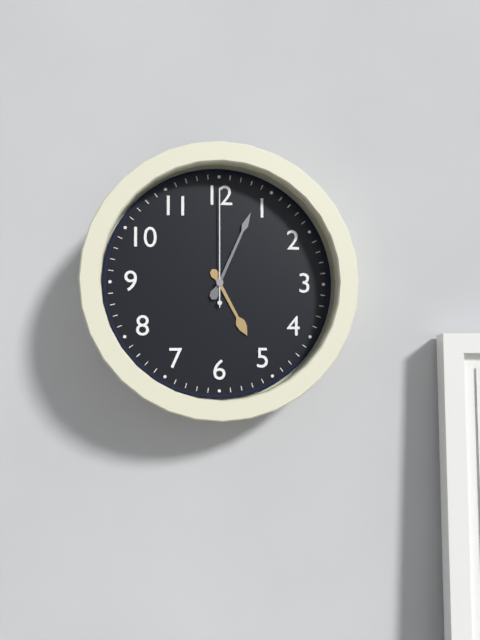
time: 5:04:00
